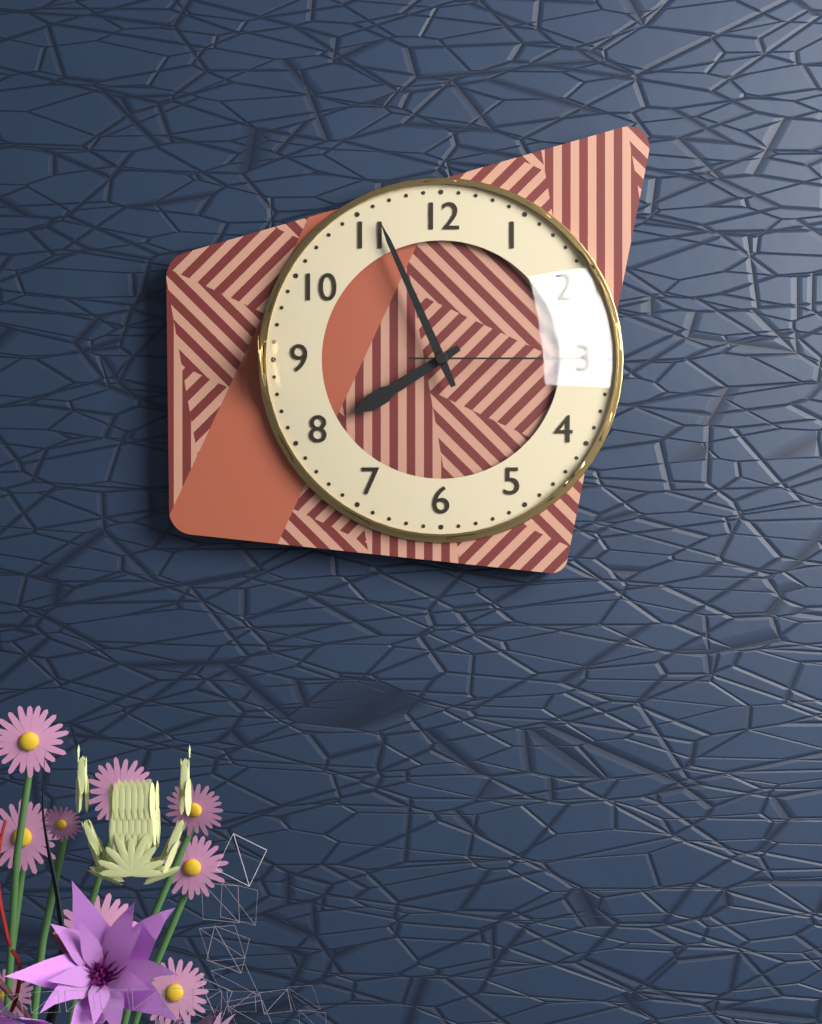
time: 7:56:15
